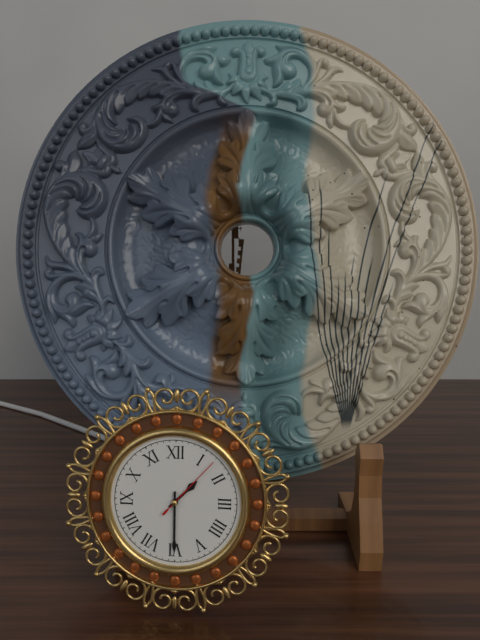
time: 1:30:07
